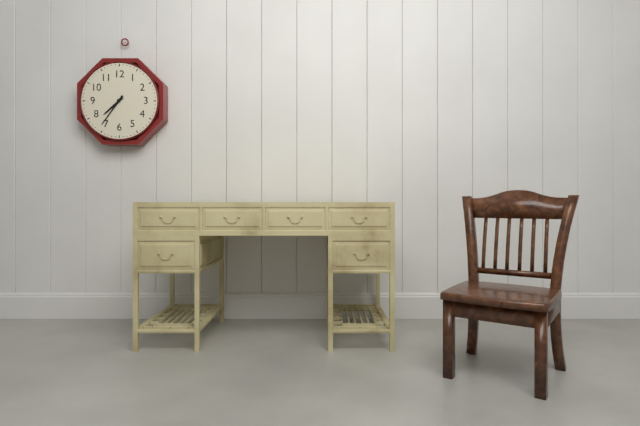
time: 7:36
